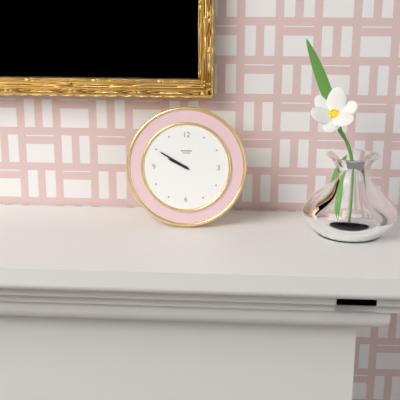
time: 9:50
